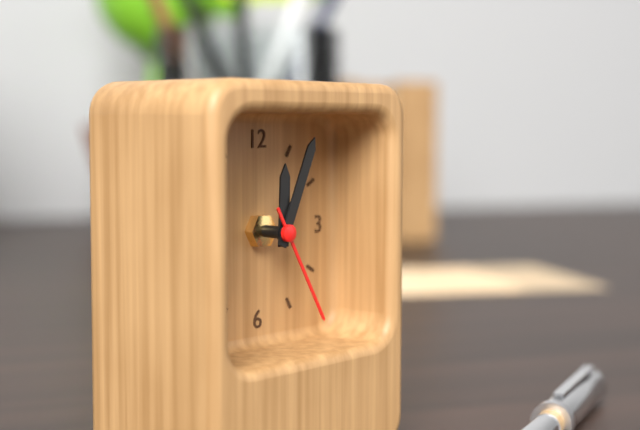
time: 12:04:25
